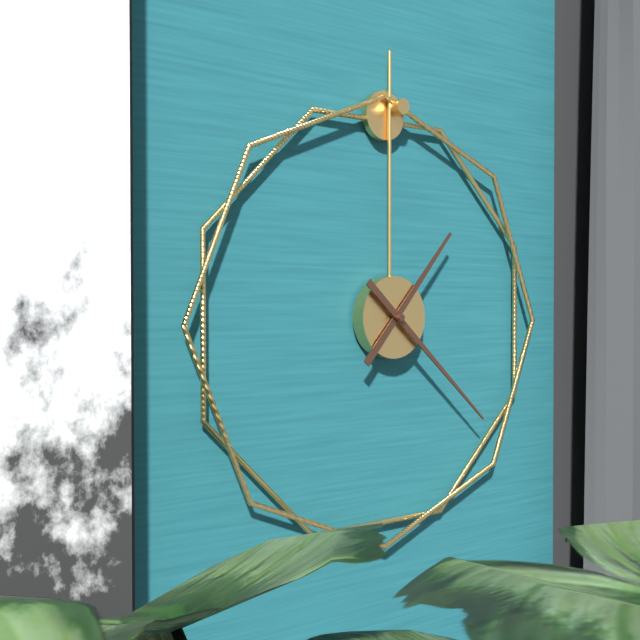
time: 1:22
